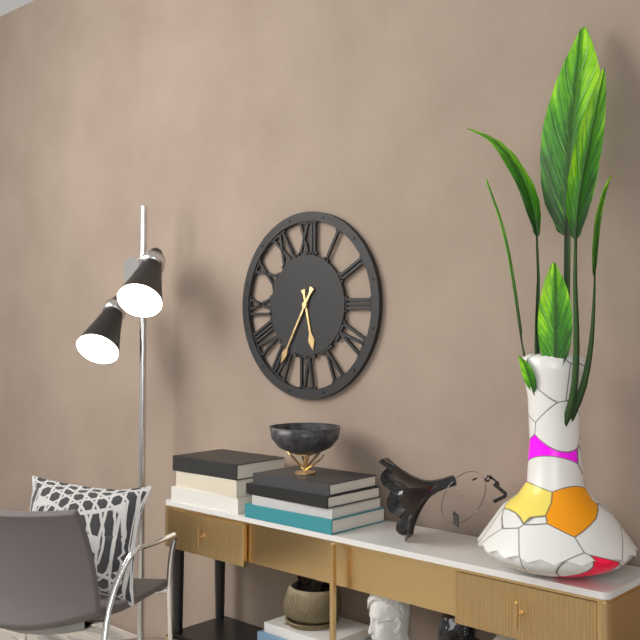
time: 5:35
